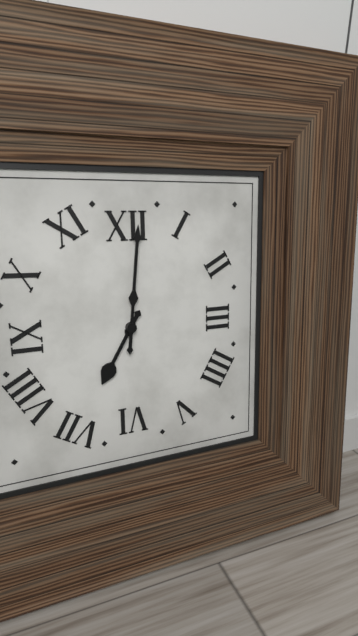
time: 7:01
